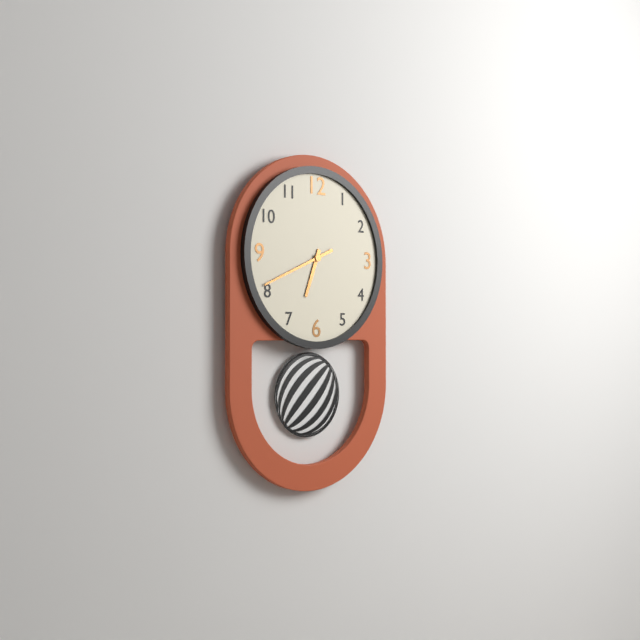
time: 6:41
